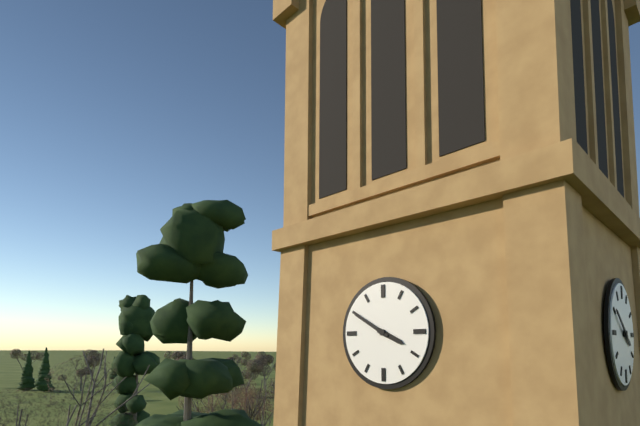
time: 3:50
